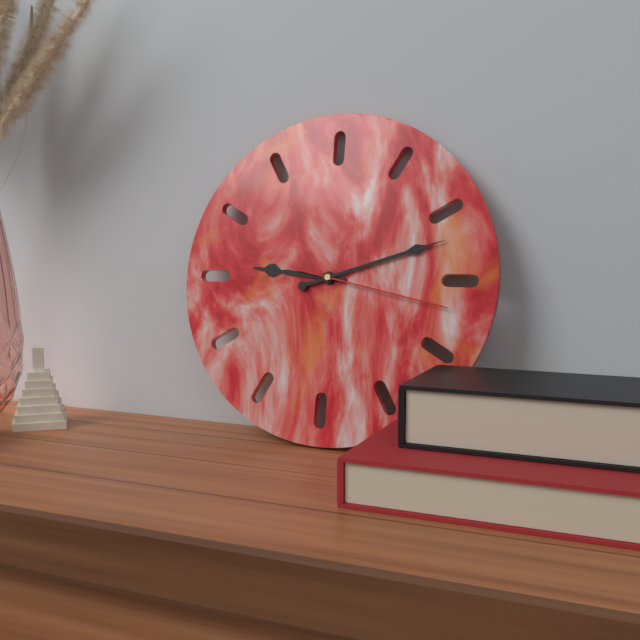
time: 9:12:17
